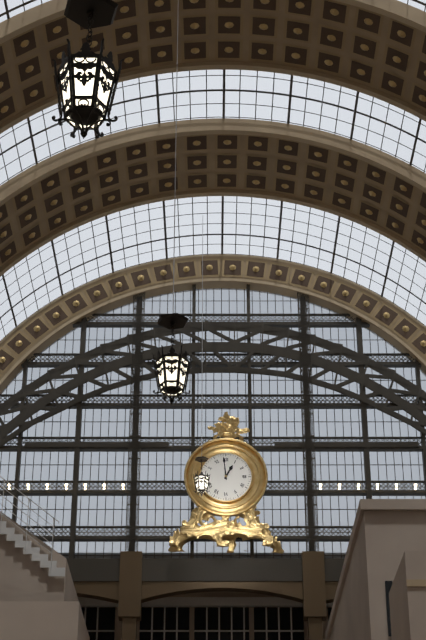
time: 12:59
